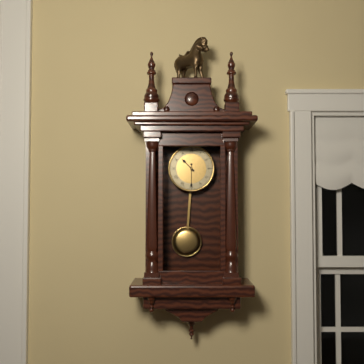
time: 10:30
